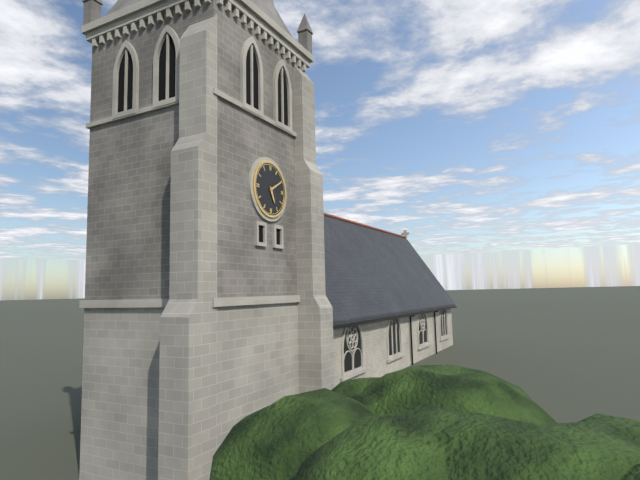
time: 5:10
